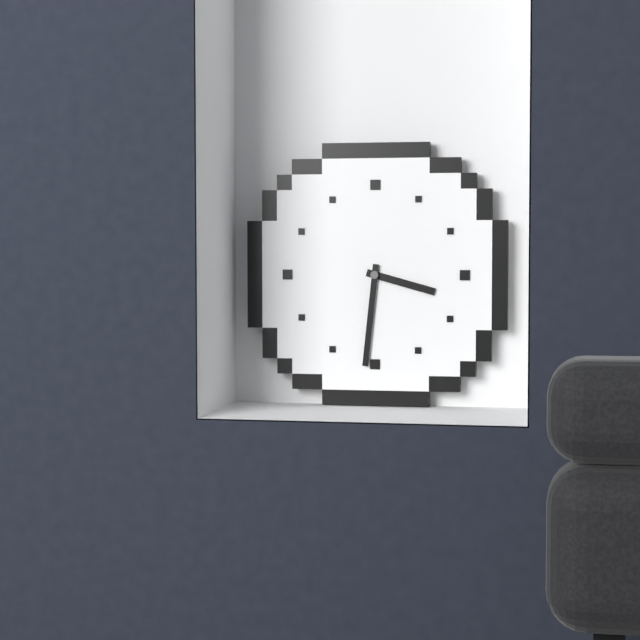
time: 3:31
